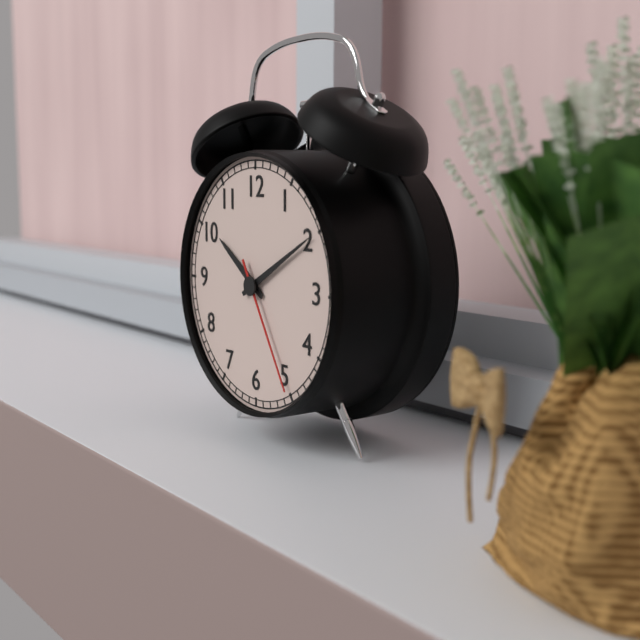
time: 10:10:25
